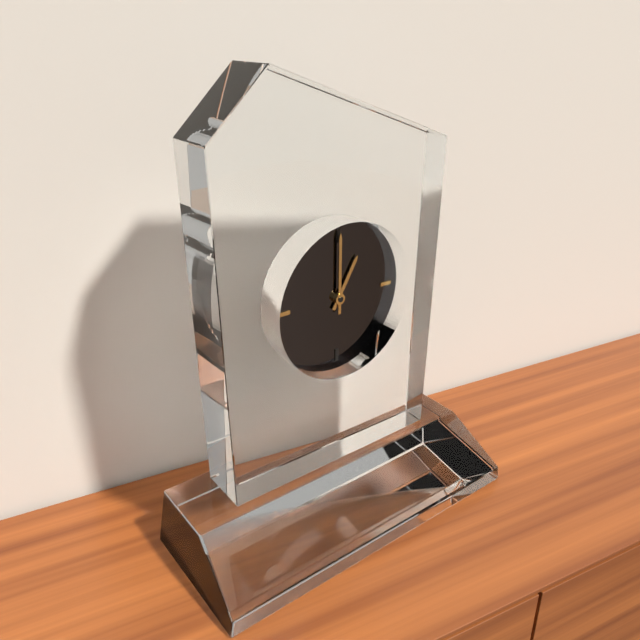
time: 1:00
